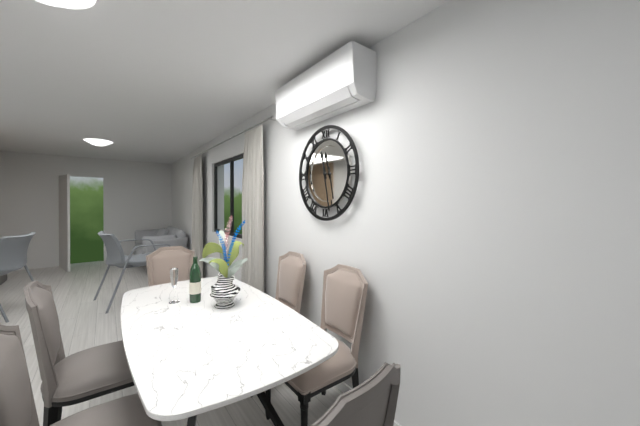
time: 11:28
